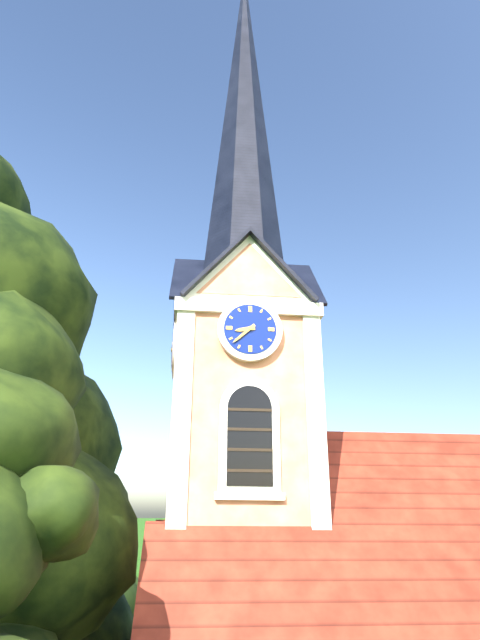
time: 8:38
